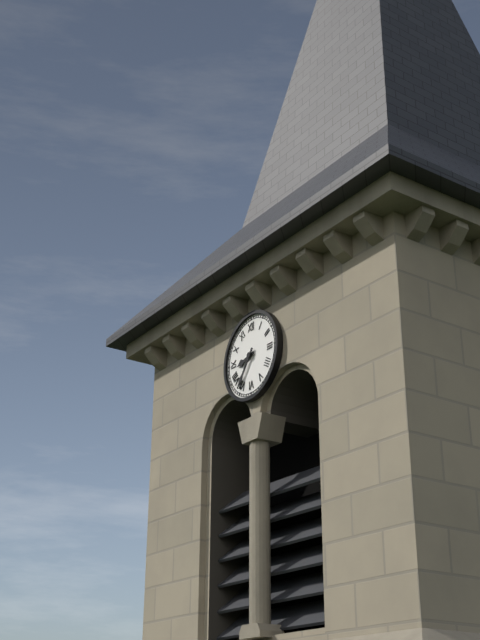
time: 8:36
